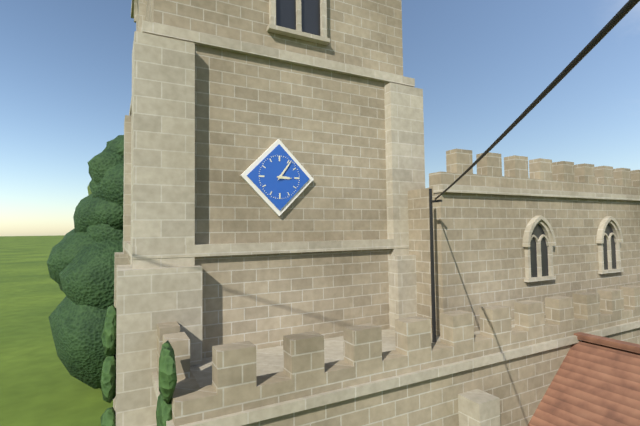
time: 3:06
